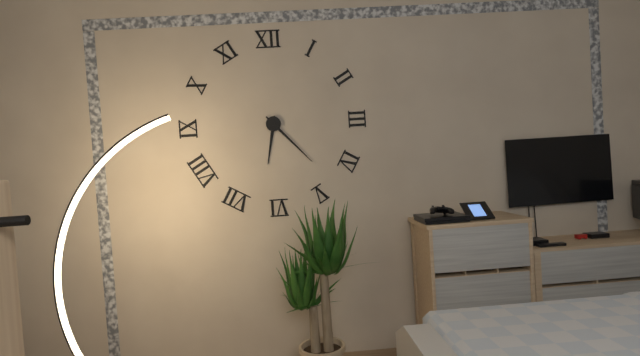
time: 6:23
